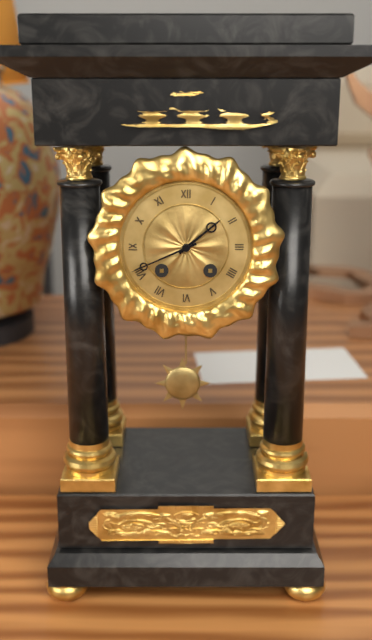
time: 1:41
